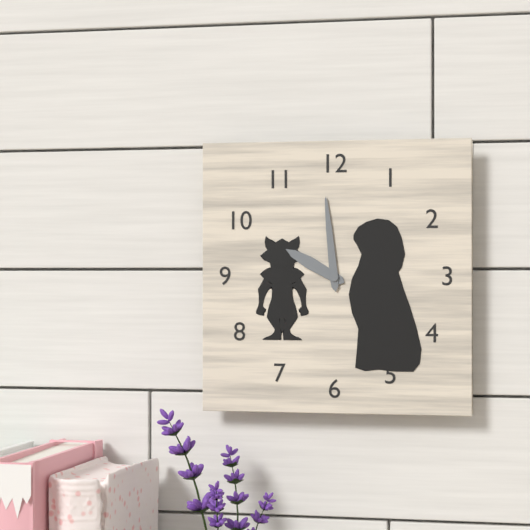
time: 9:59
